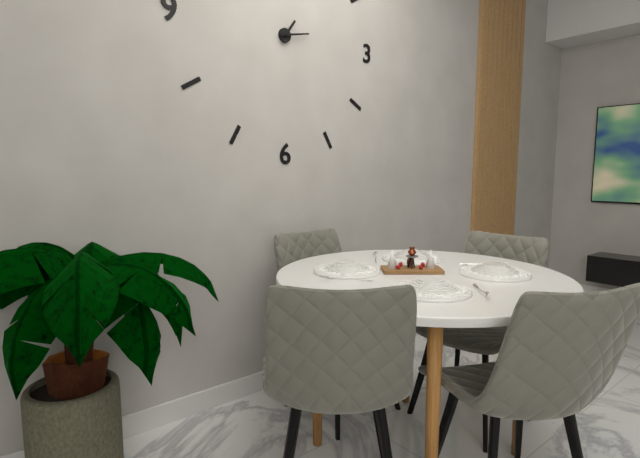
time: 1:13
